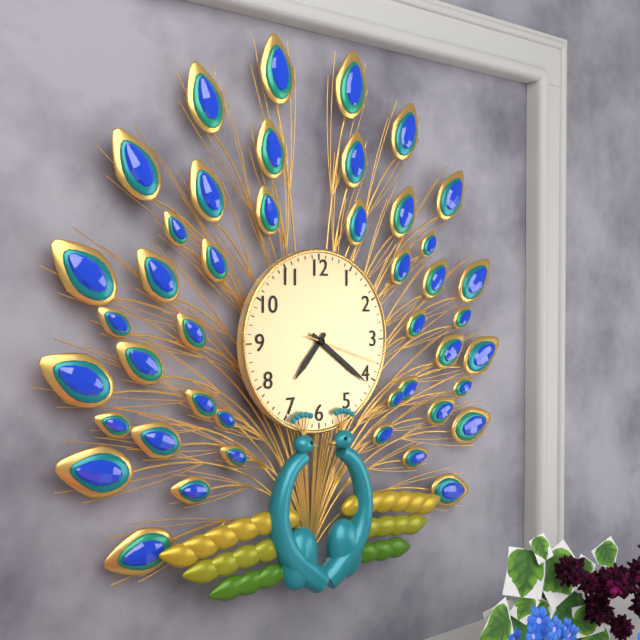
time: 7:21:18
